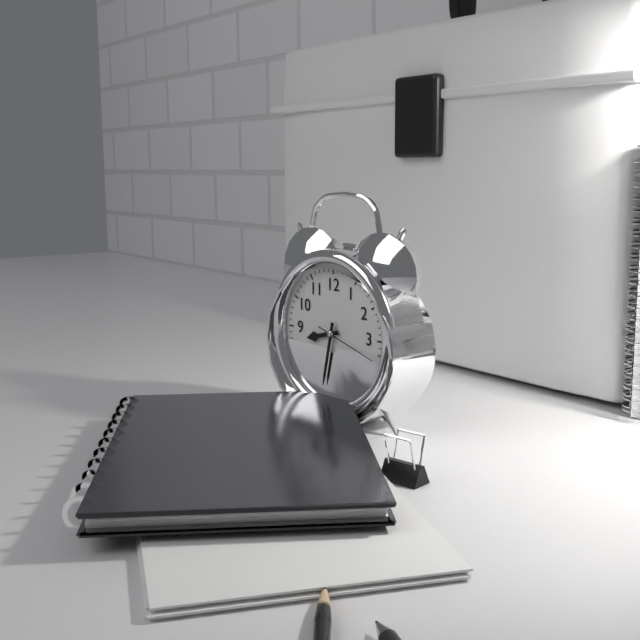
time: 8:32
